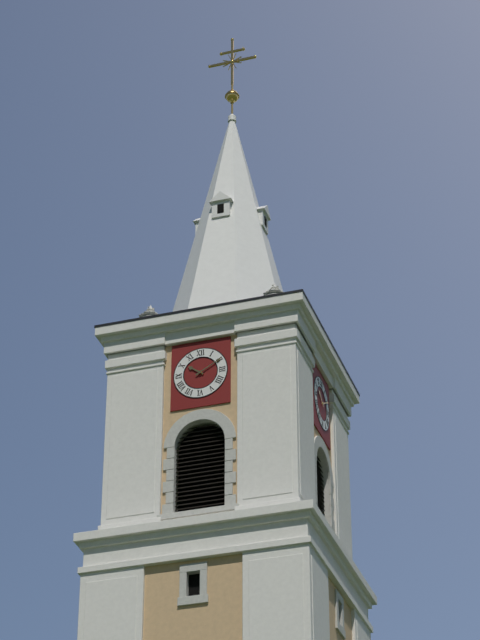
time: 10:10
